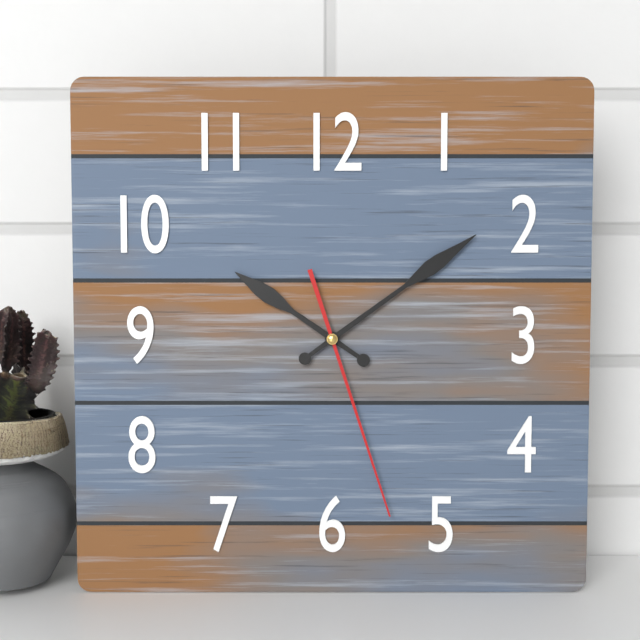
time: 10:09:27
